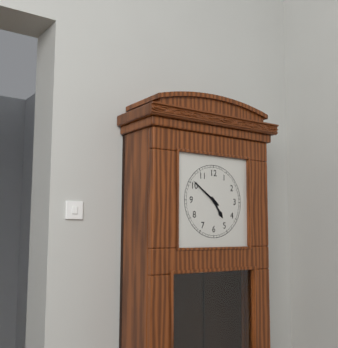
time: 4:51
